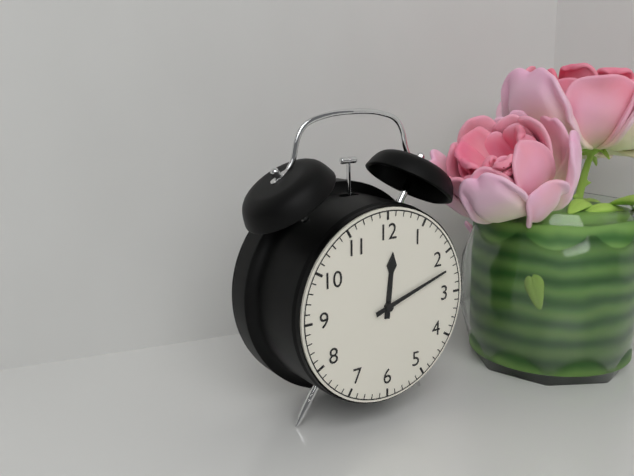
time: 12:12
